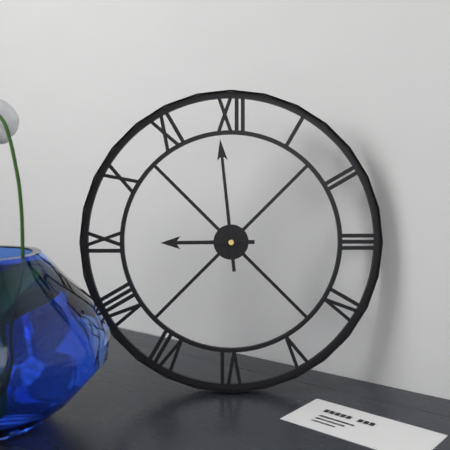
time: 8:59
